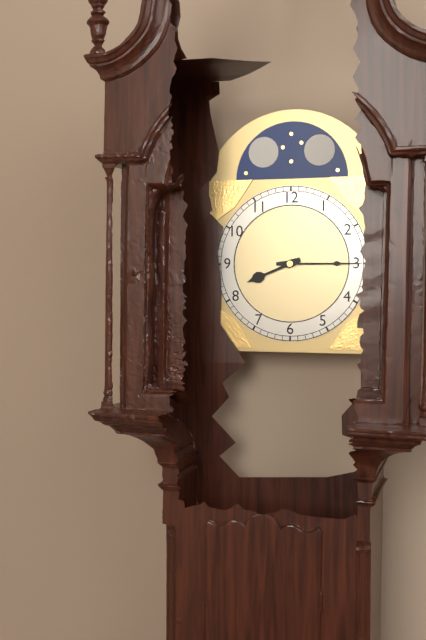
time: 8:15
